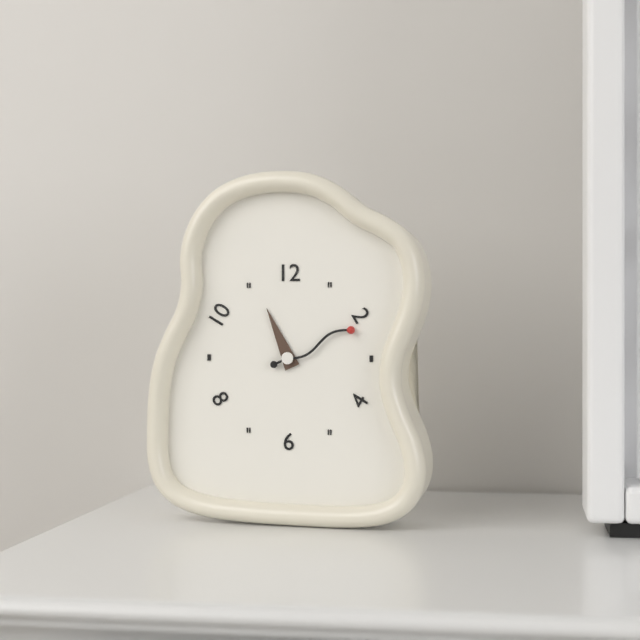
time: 11:11
